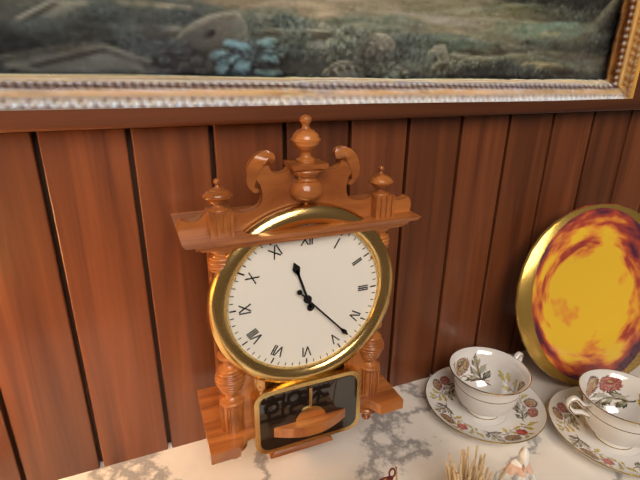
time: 11:23
